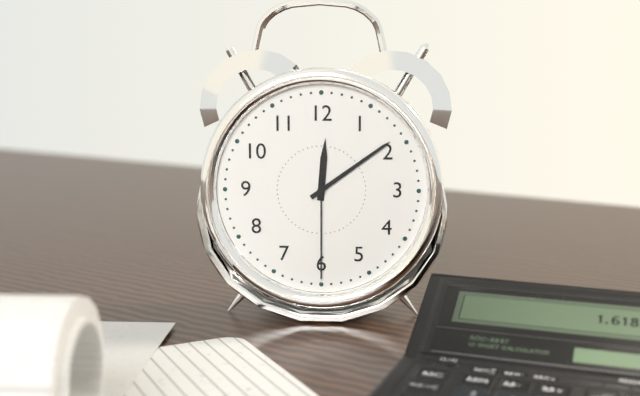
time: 12:09:30
